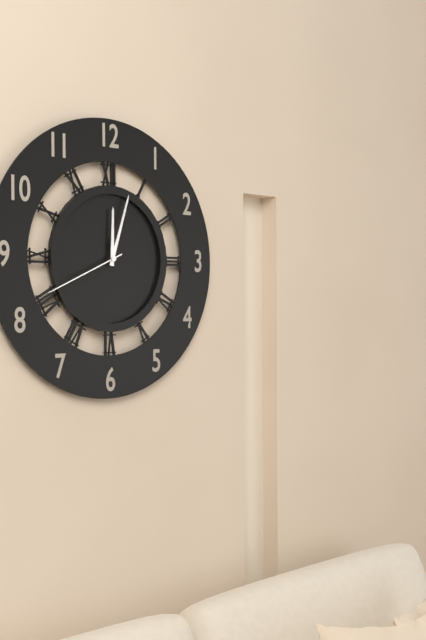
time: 12:03:41
